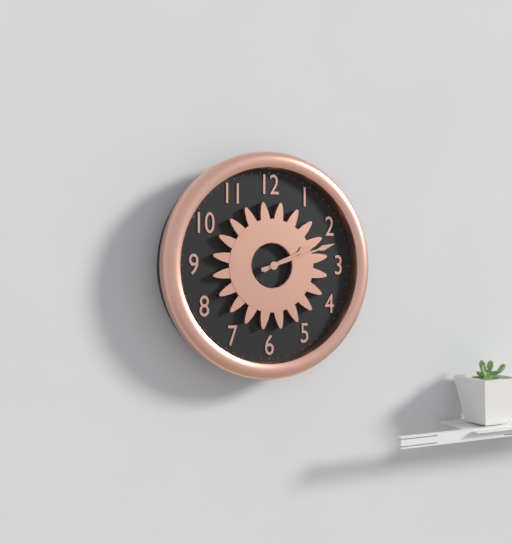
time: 2:12
